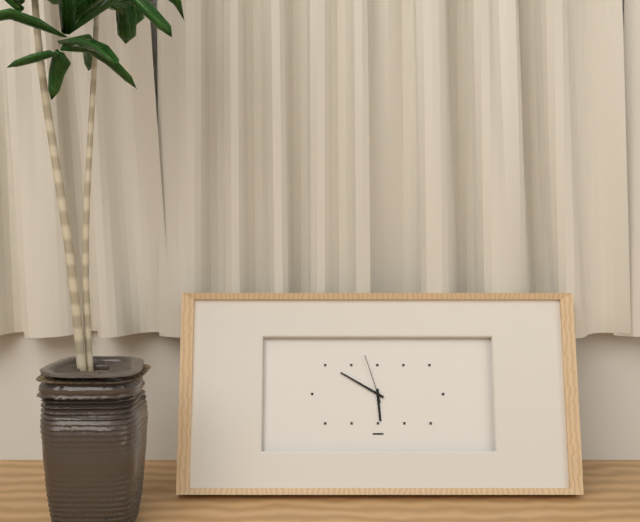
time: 5:50:57
